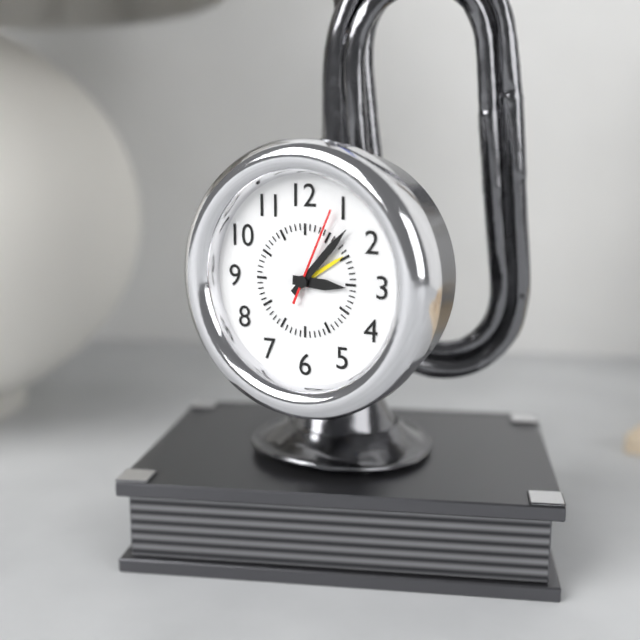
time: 3:07:04
